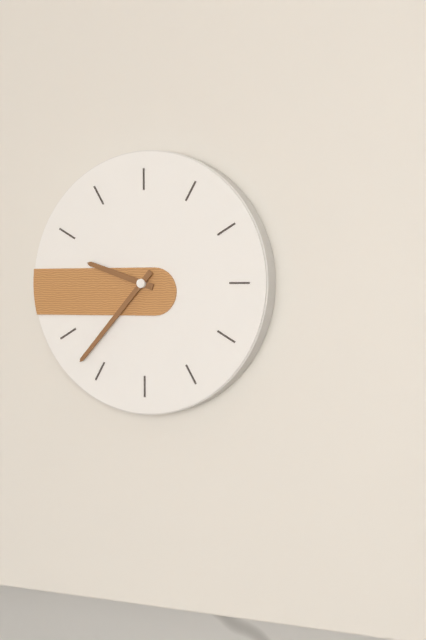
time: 9:37
